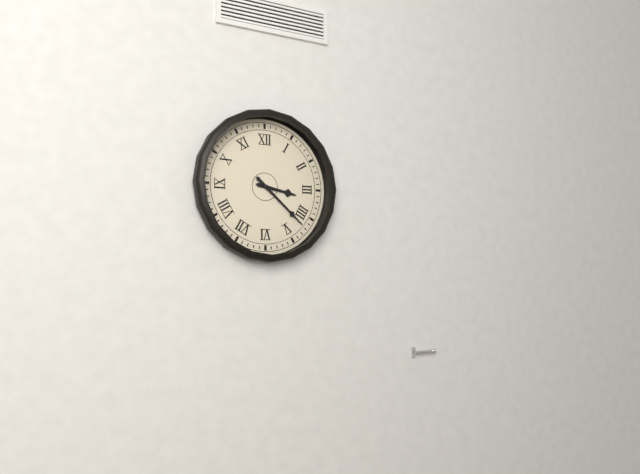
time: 3:22
